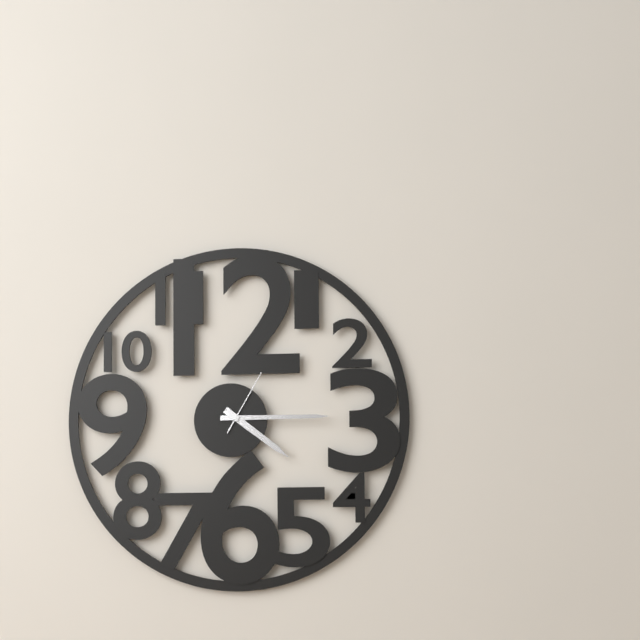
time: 4:15:05
